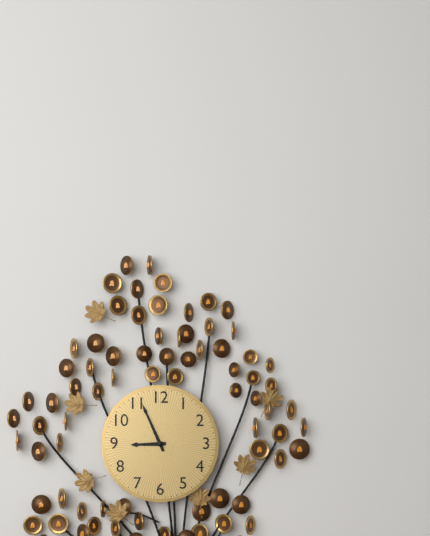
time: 8:56
